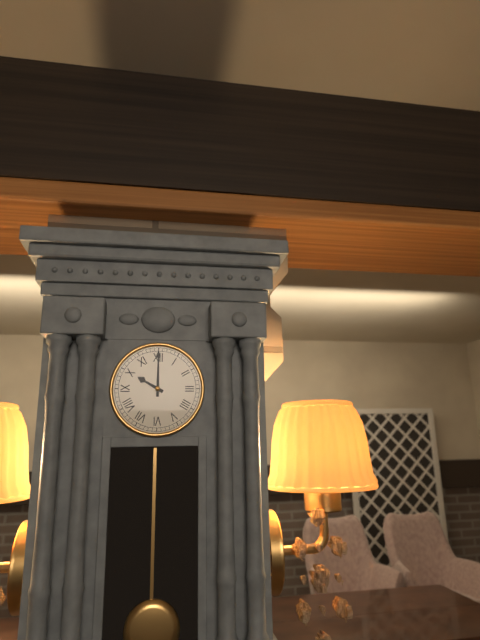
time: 10:00
